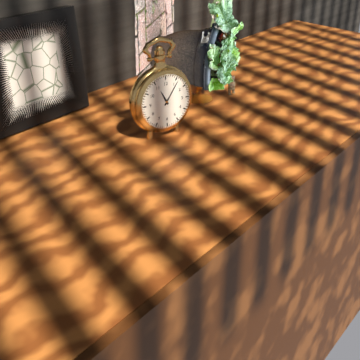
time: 11:06
